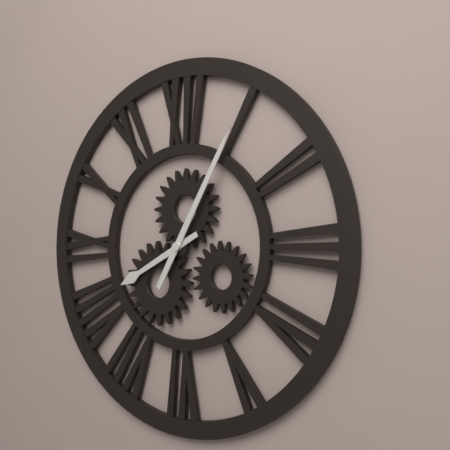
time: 8:05
